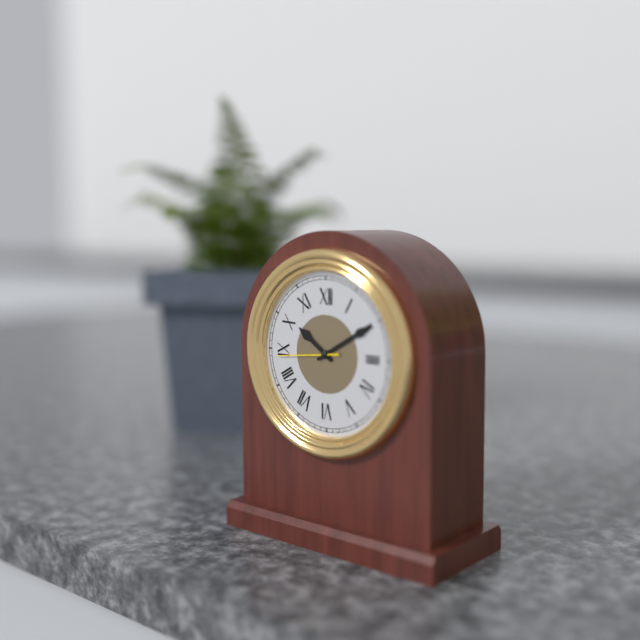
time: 10:10:44
